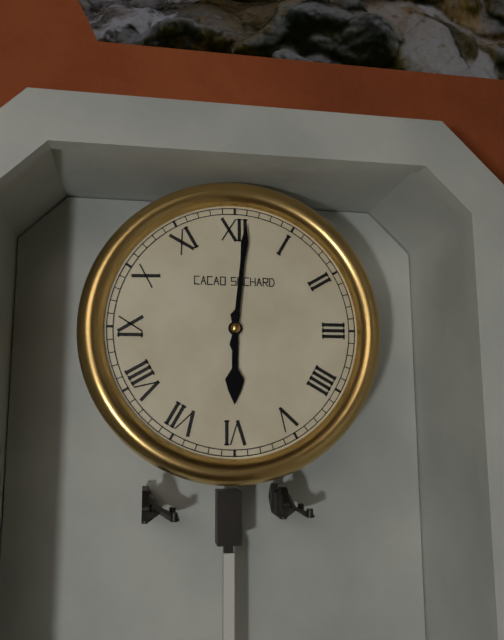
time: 6:01
